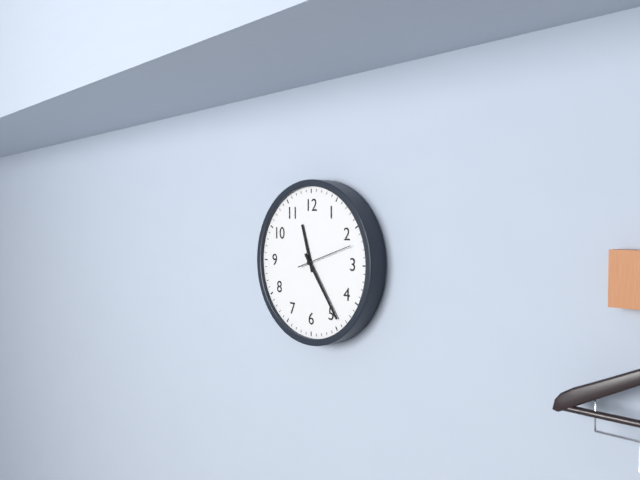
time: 11:24:12
